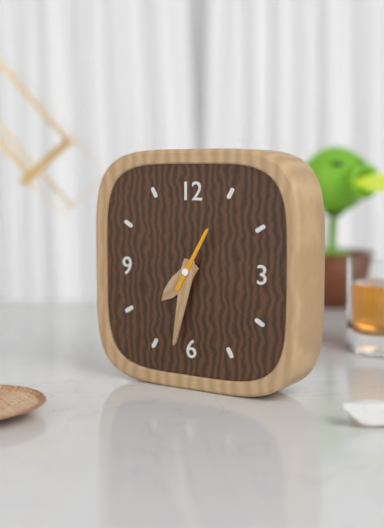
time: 7:32:05
